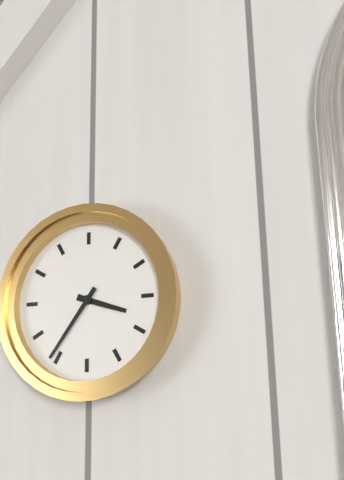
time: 3:36
